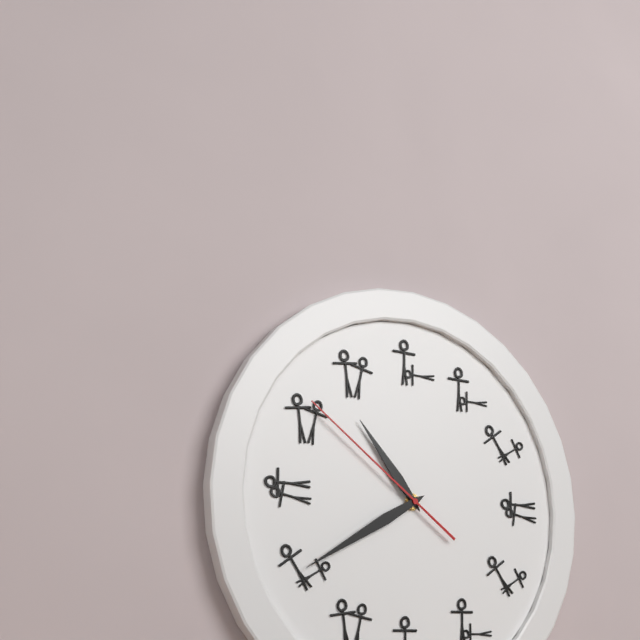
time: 10:40:51
